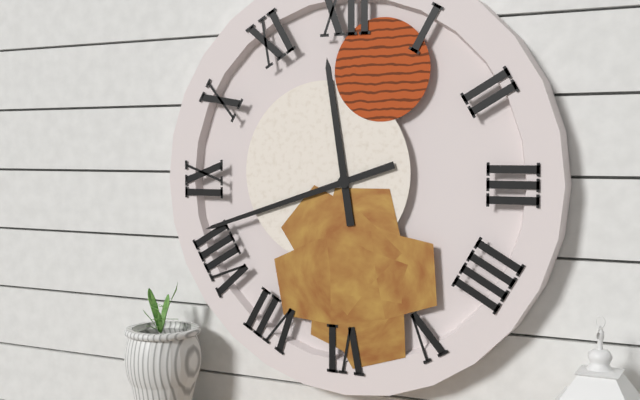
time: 11:42
